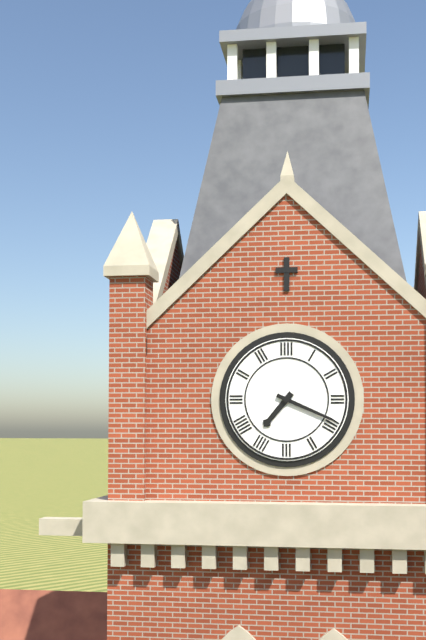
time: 7:19
